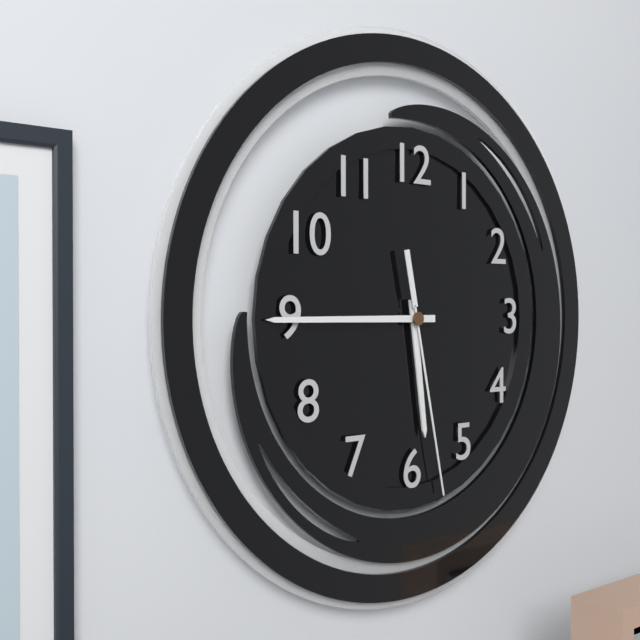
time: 5:45:28
